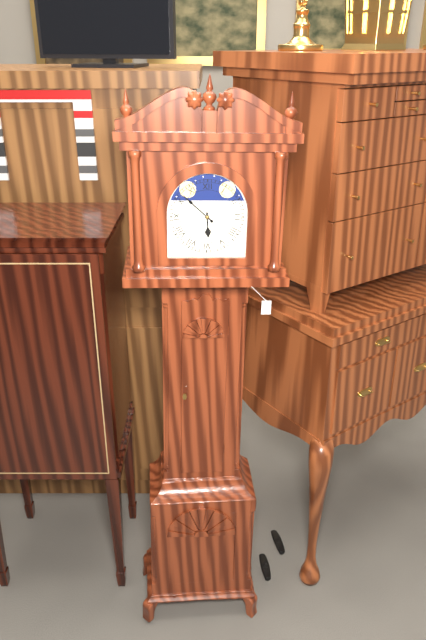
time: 5:52
